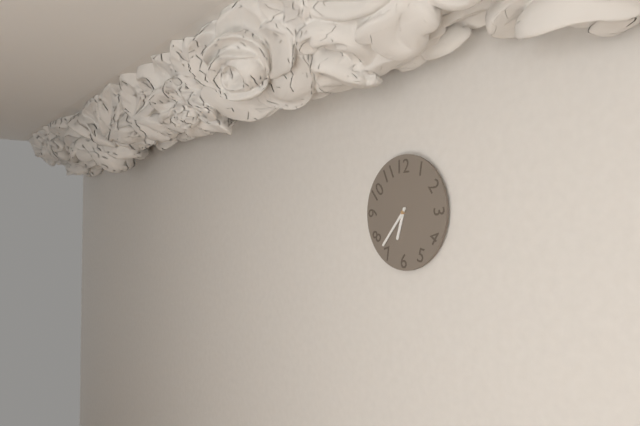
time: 6:37
